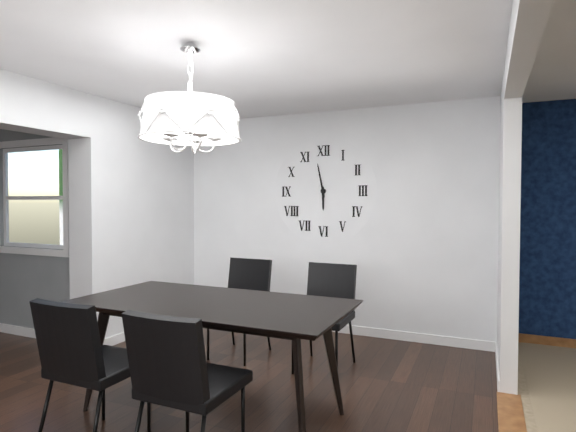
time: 5:58
